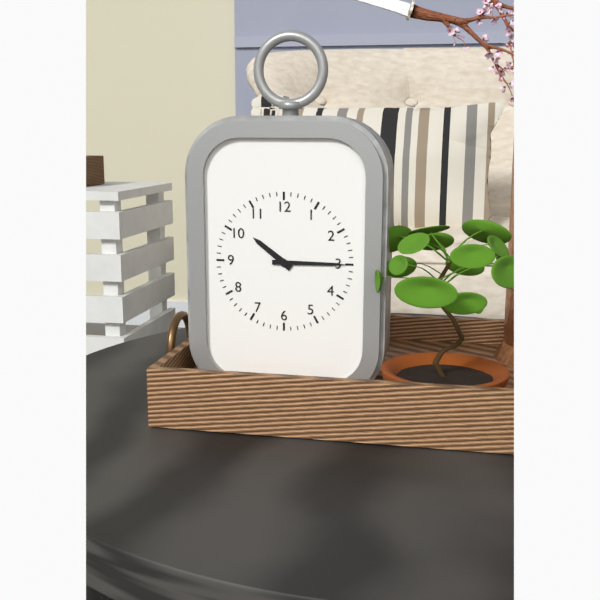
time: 10:15
